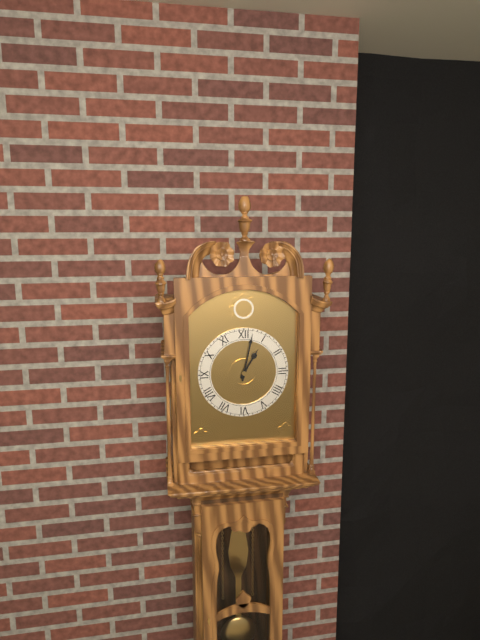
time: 1:02
